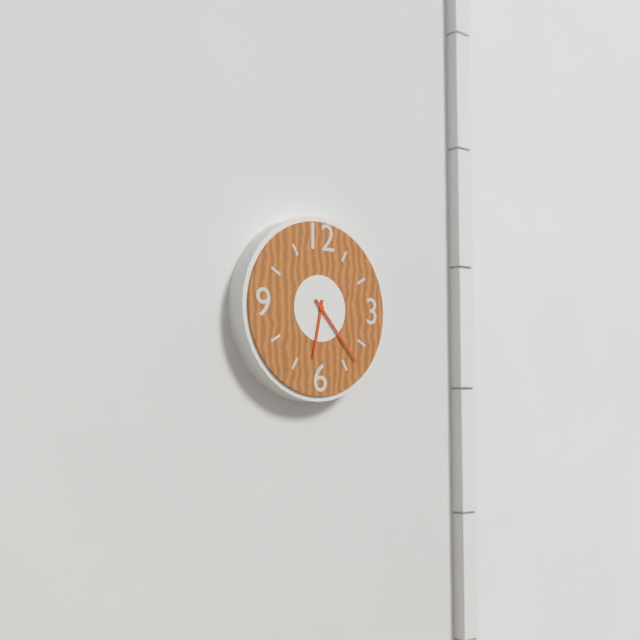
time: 6:23
